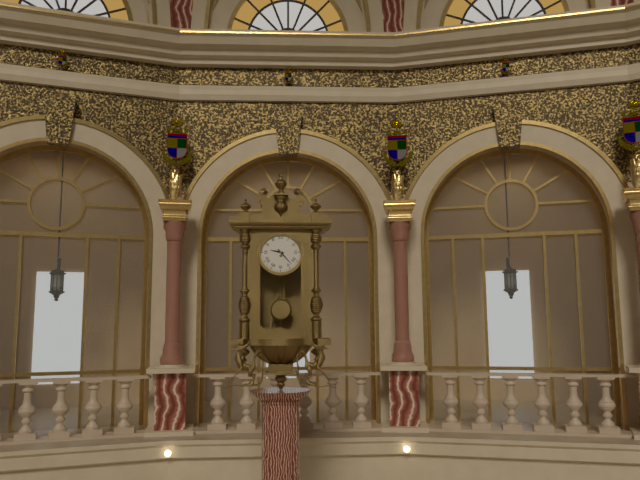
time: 9:23
